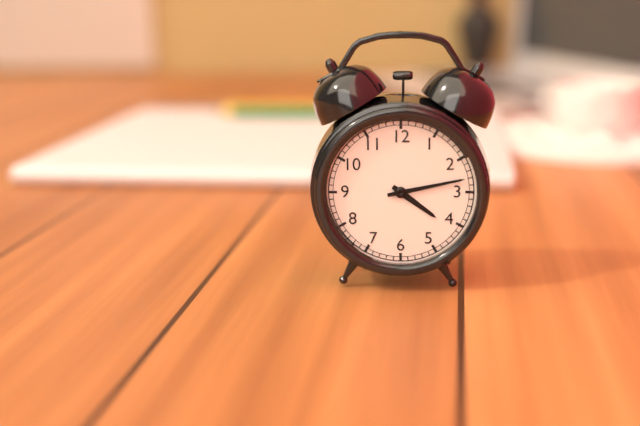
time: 4:13
